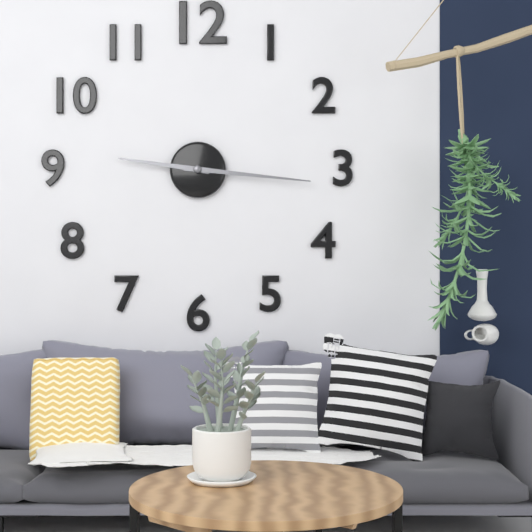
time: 9:16
